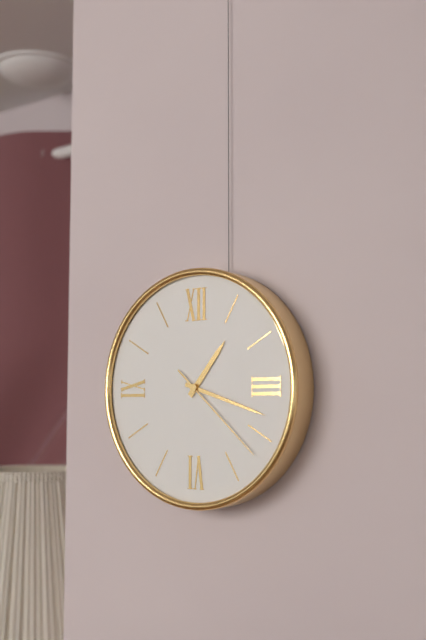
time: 1:18:22
